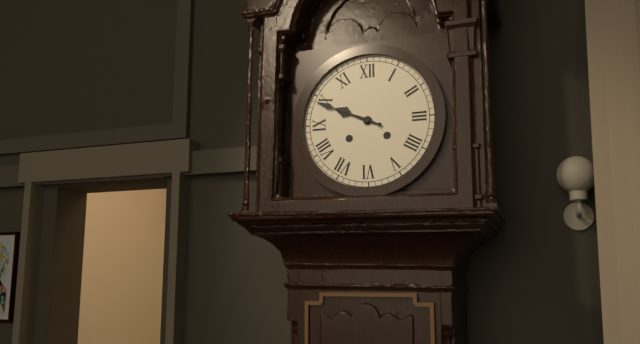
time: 9:49
